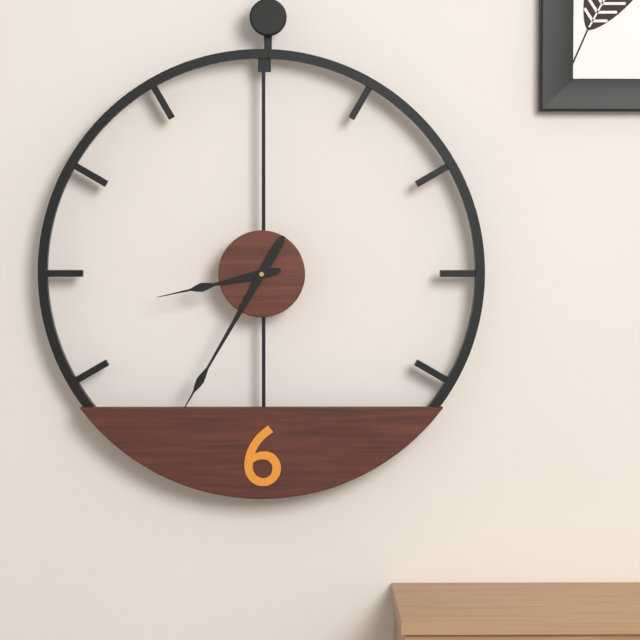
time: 8:35
